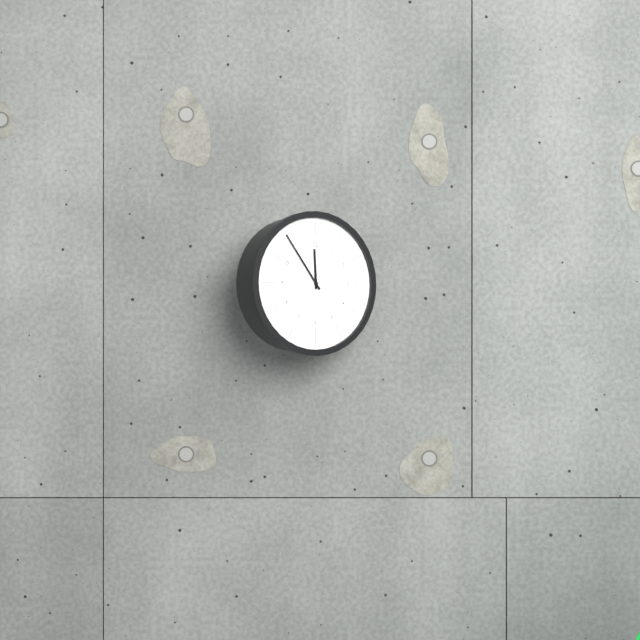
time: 11:54
